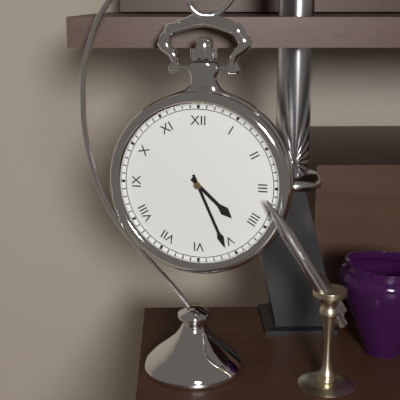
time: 4:26
